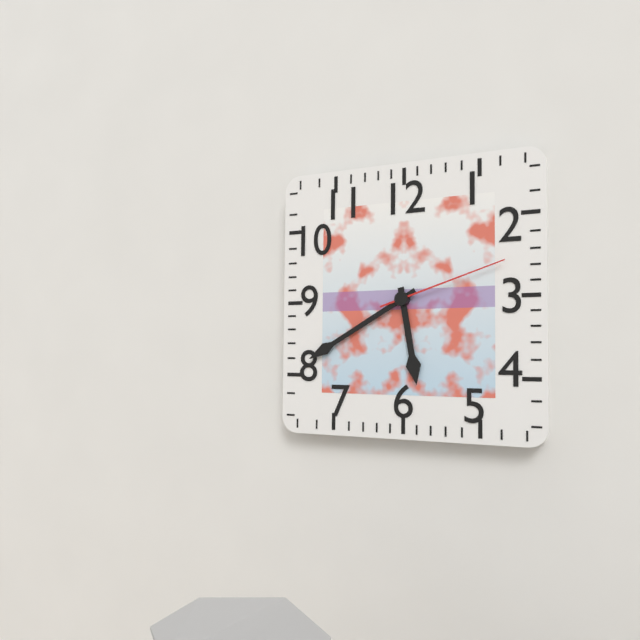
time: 5:40:12
